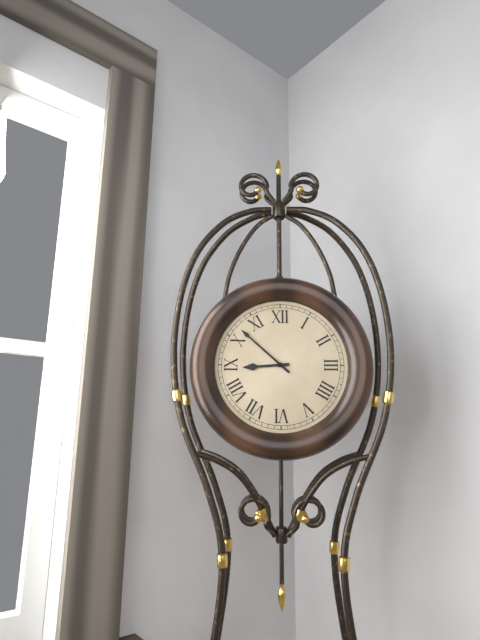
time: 8:52
